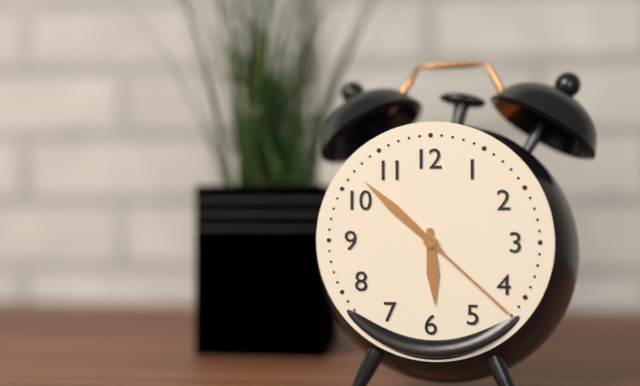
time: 5:52:22
